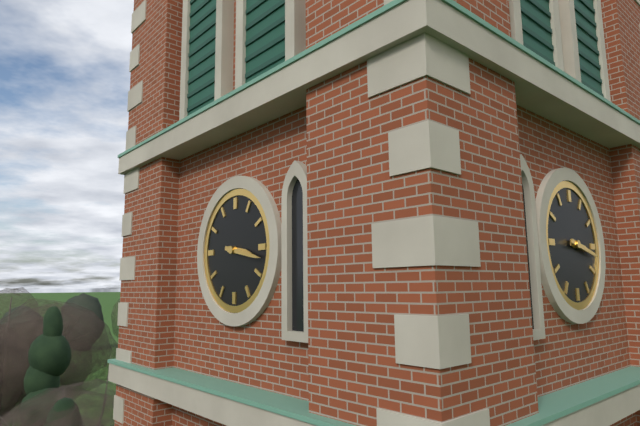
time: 3:17
